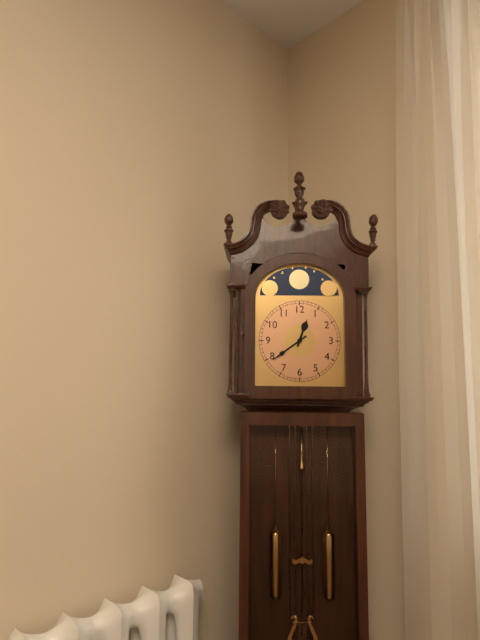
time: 12:39
